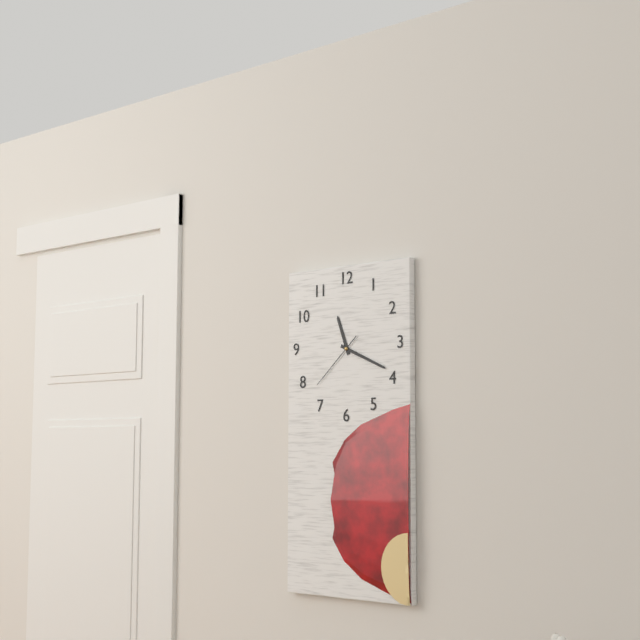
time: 11:19:38
